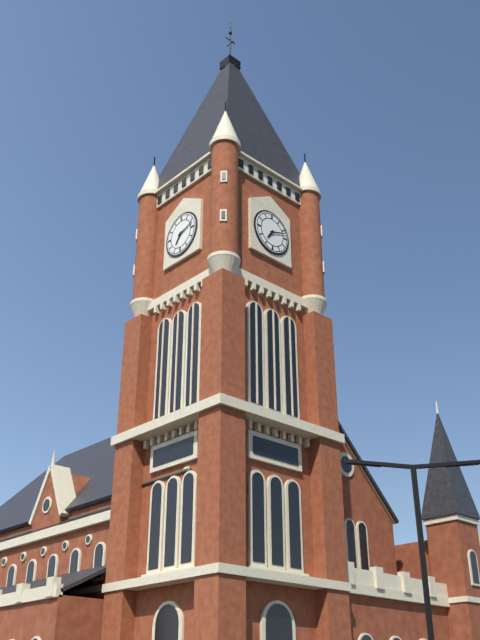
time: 7:12
